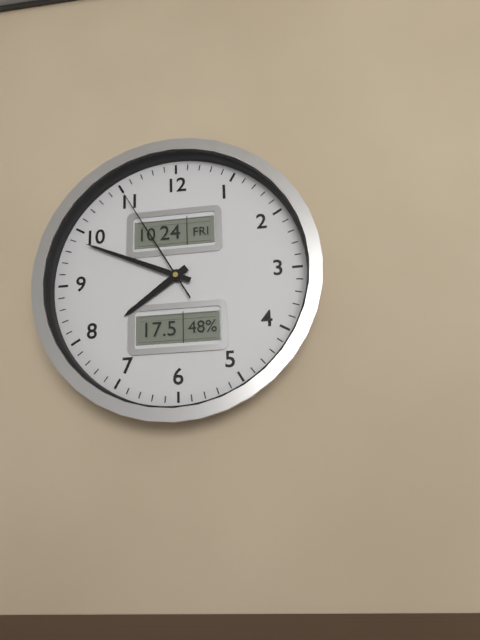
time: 7:49:55
